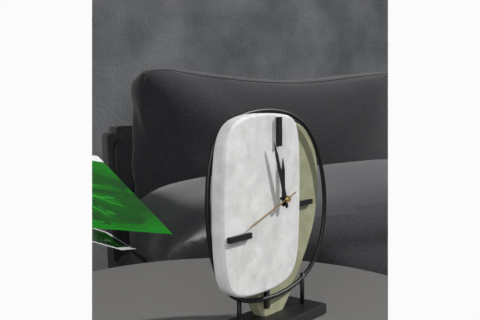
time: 11:57:42
